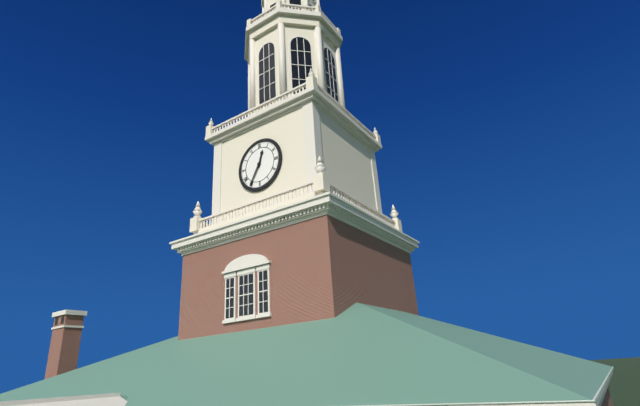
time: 12:35
